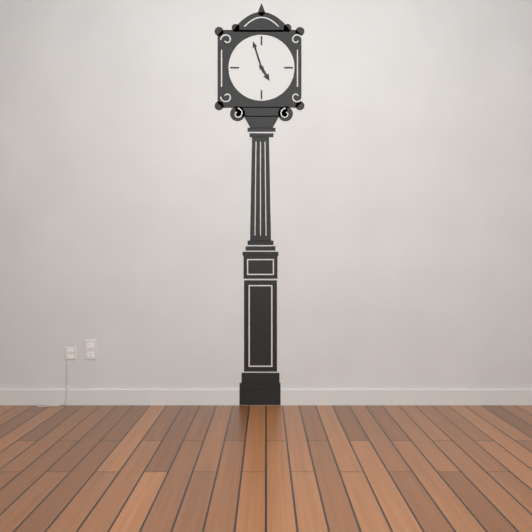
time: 4:57
